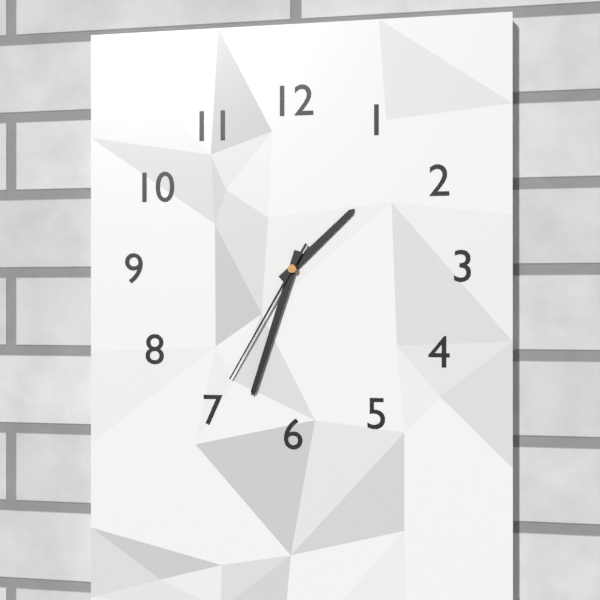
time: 1:33:35
